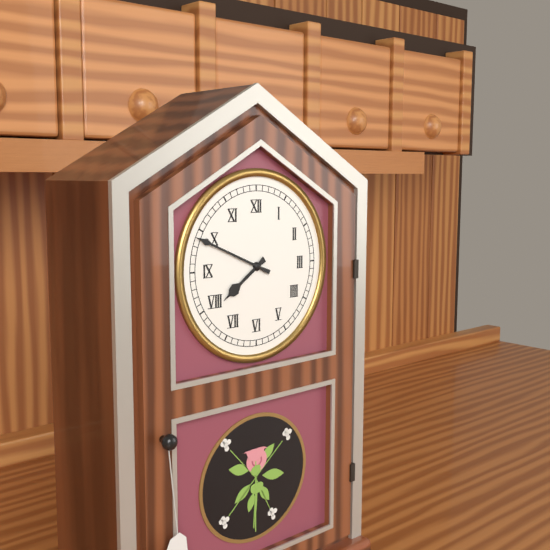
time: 7:49
